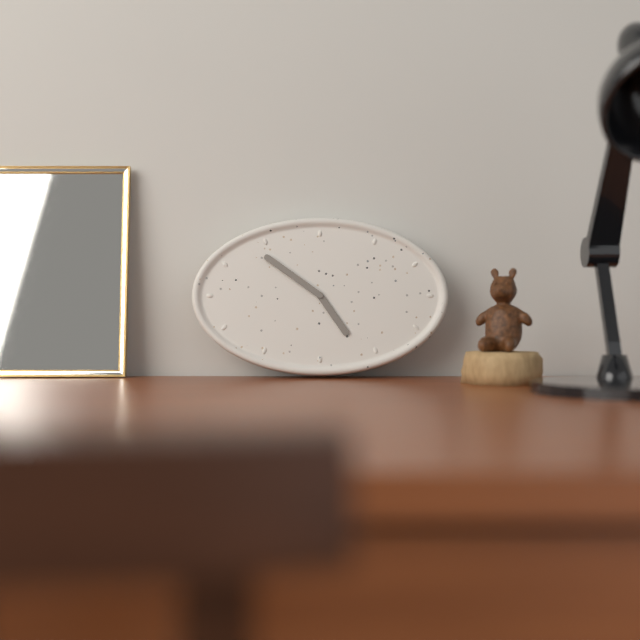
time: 4:51
